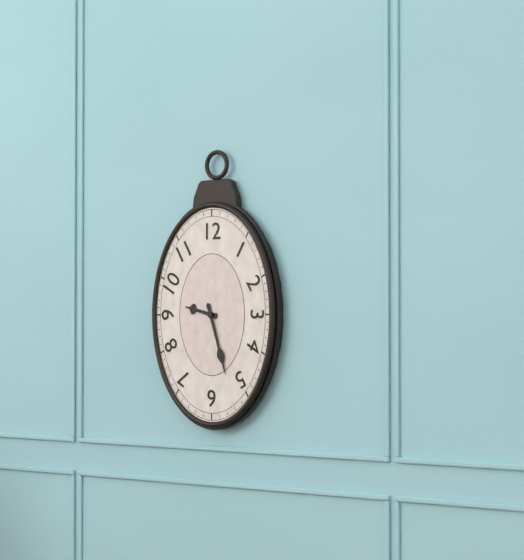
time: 9:27
